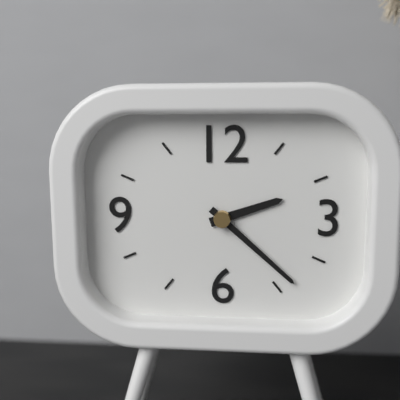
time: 2:22
